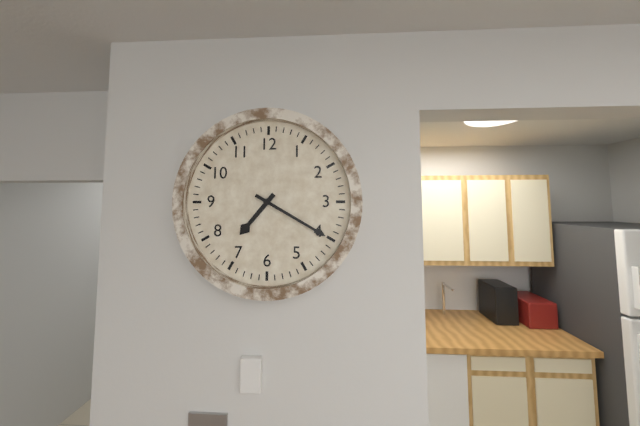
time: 7:20
